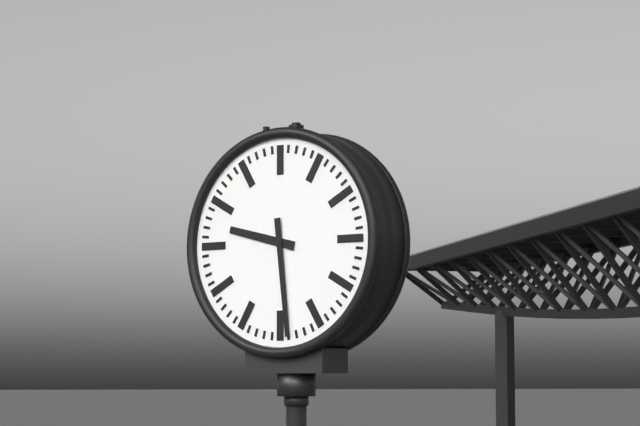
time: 9:29
